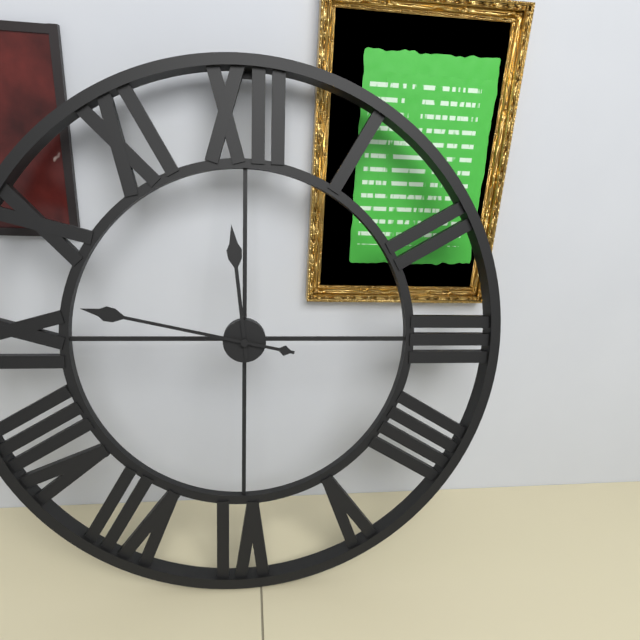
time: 11:47
